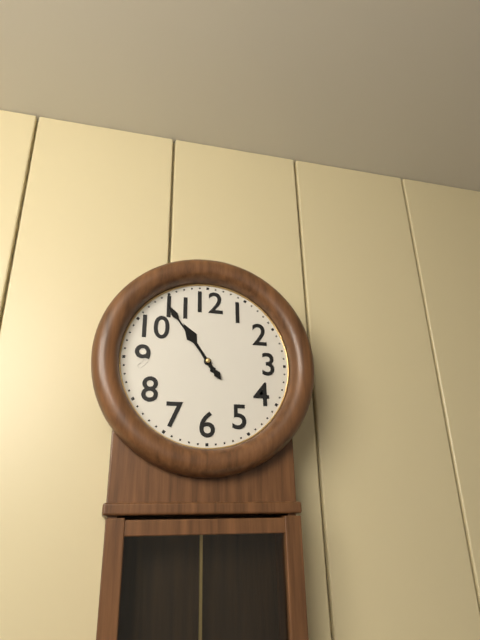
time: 10:54
